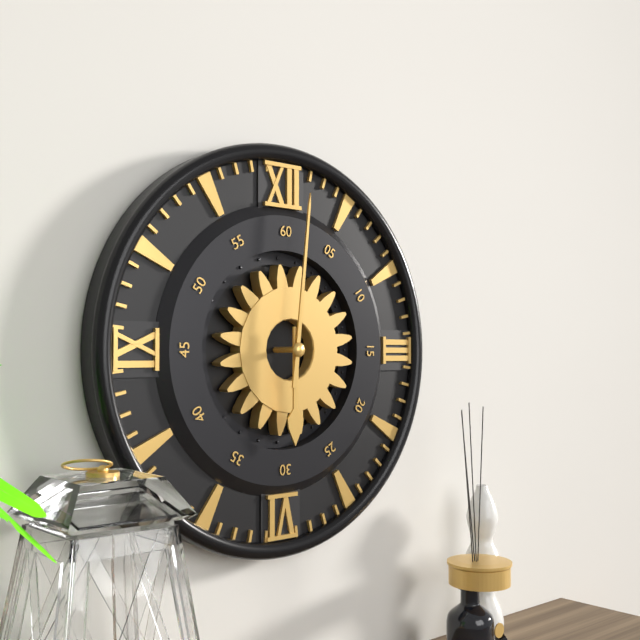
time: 6:01
